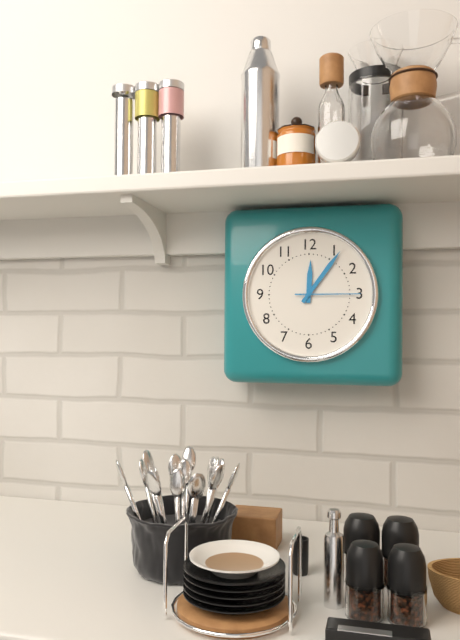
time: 12:06:15
